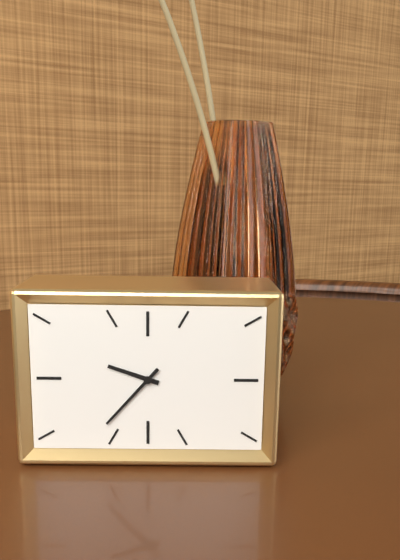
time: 9:37
